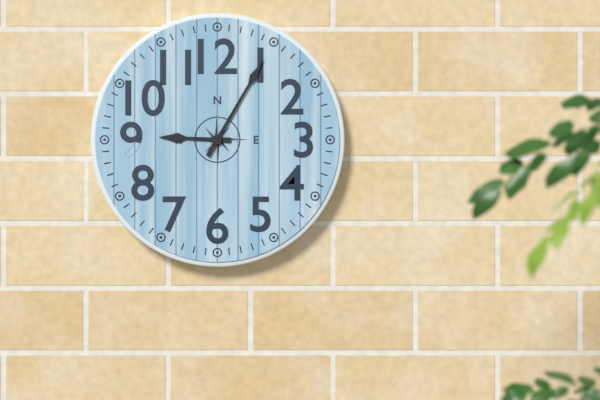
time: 9:05
